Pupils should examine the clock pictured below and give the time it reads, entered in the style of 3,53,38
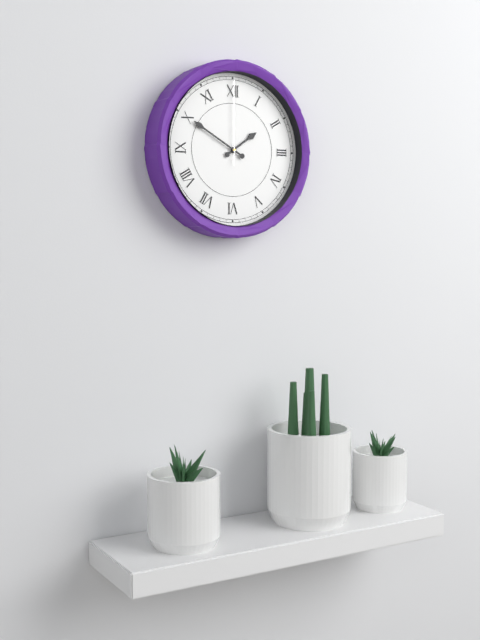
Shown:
1,50,00
